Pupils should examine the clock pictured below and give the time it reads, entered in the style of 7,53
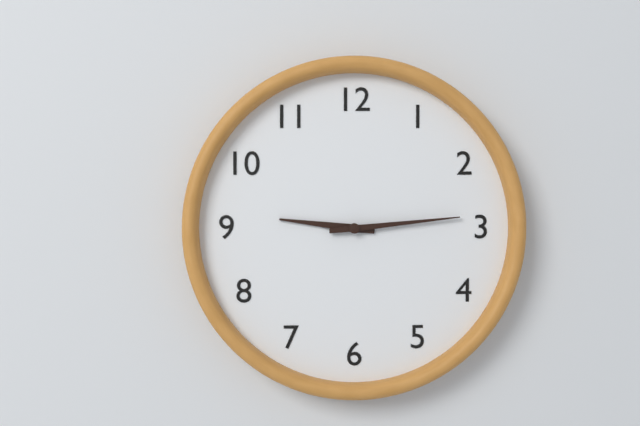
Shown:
9,14
